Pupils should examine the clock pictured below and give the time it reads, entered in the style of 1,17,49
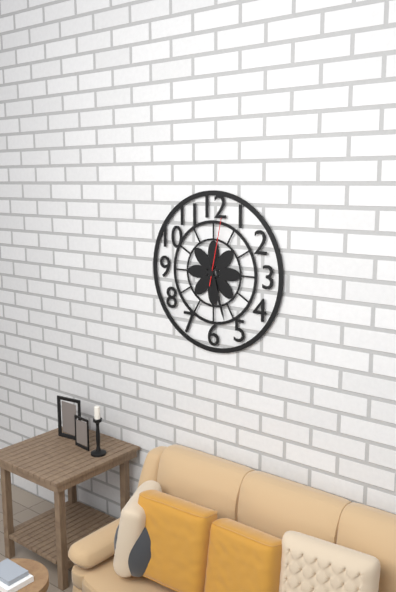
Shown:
5,27,02
